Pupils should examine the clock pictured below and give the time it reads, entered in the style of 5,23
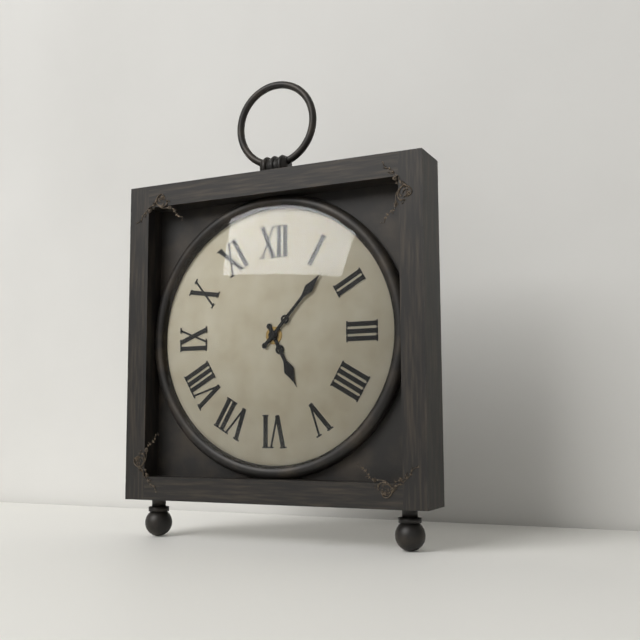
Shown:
5,07
